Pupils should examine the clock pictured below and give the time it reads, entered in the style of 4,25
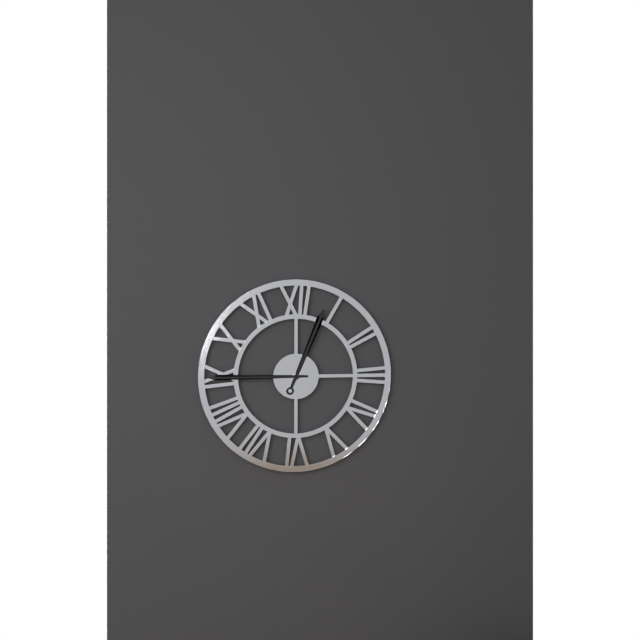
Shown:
12,45
